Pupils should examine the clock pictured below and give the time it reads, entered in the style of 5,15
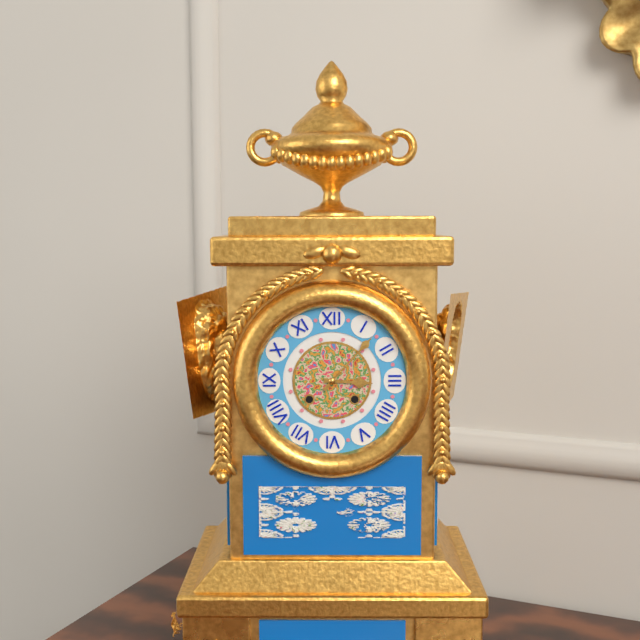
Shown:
3,07
